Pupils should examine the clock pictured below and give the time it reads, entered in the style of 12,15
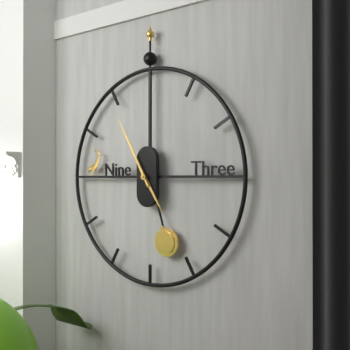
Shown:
4,55
